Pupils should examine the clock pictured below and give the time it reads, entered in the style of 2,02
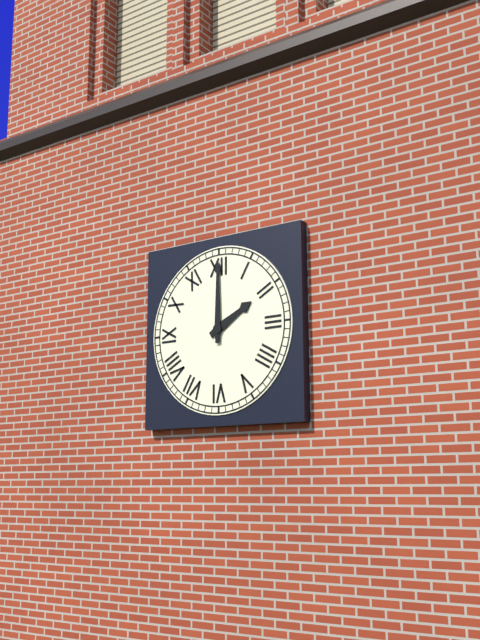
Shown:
2,00
